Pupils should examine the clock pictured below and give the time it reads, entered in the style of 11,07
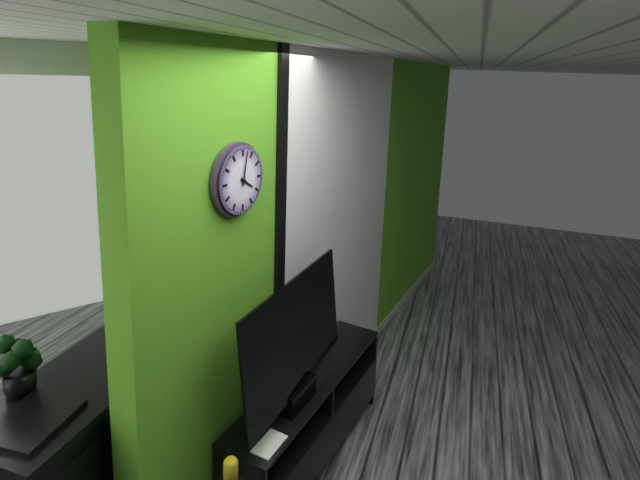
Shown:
4,02
